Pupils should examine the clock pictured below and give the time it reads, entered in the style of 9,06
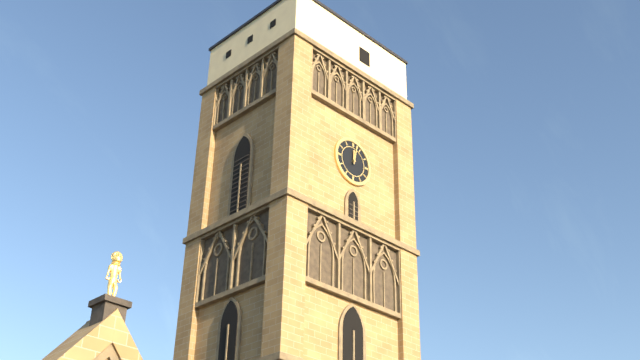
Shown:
12,02
